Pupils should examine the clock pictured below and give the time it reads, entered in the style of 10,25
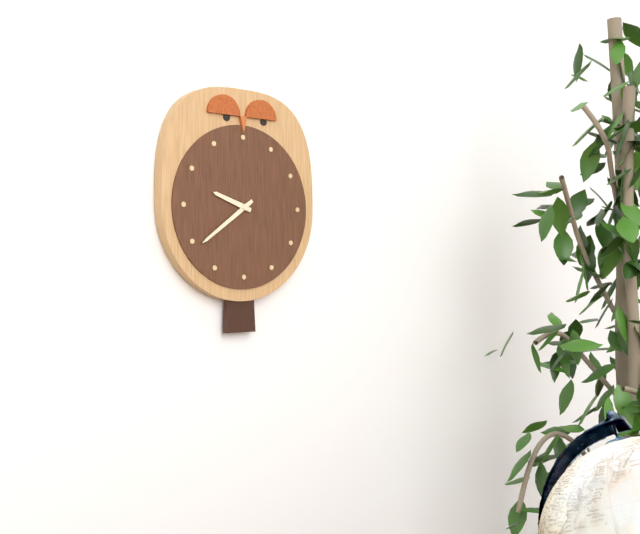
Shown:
9,39
